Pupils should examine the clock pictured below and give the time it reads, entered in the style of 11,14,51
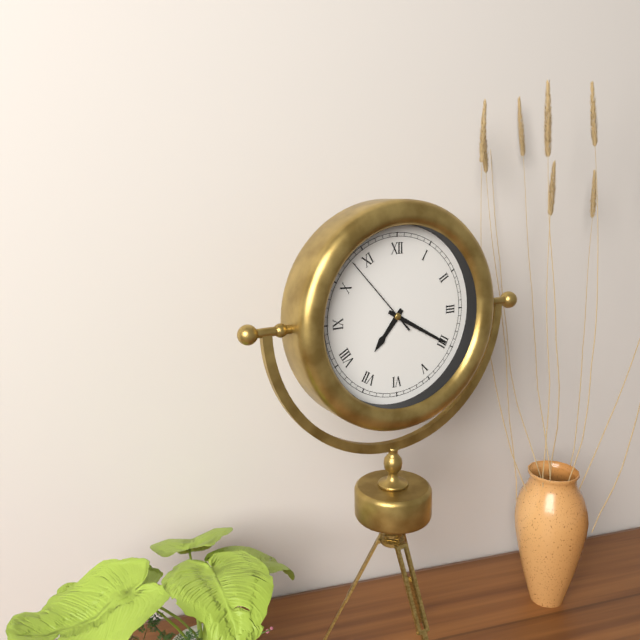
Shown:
7,20,53
